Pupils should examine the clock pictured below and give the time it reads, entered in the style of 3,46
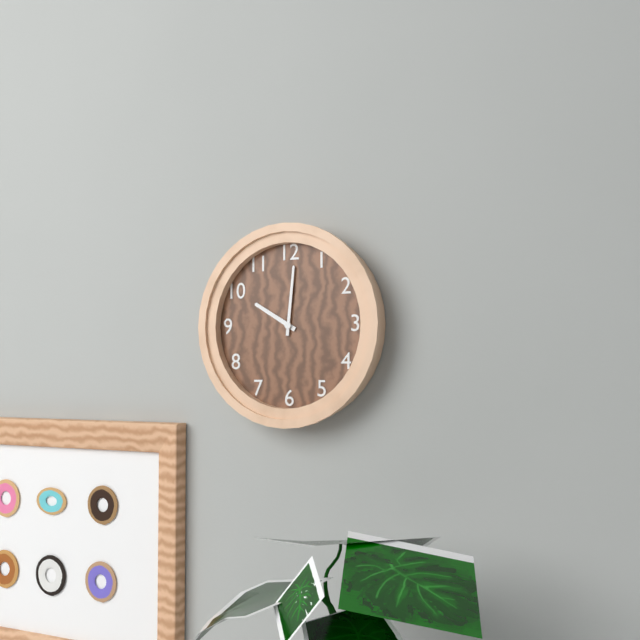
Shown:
10,01
